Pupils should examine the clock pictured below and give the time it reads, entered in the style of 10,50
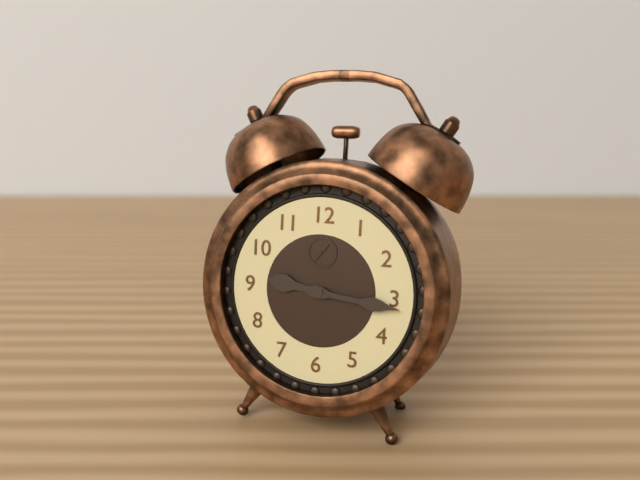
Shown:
9,16
